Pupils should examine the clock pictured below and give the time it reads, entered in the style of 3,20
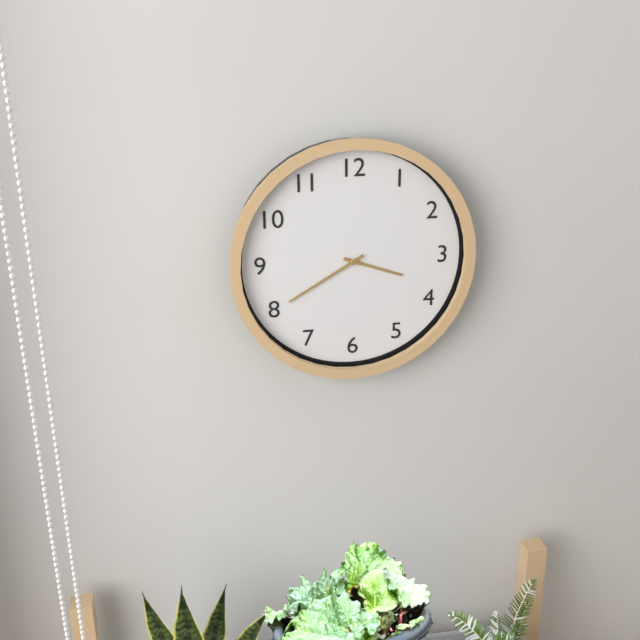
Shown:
3,40
